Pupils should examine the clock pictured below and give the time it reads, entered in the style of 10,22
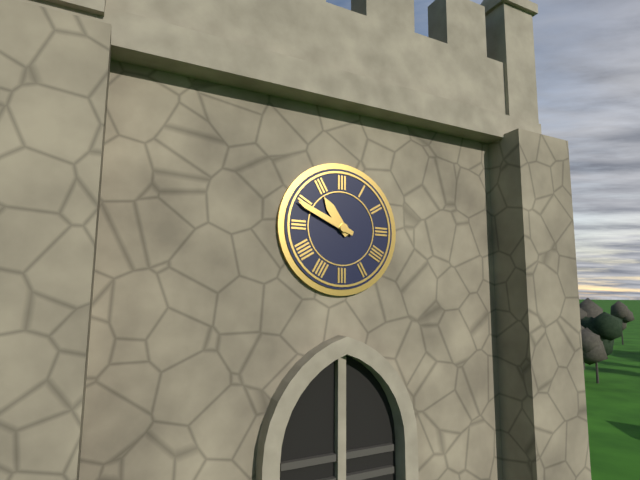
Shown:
10,49
